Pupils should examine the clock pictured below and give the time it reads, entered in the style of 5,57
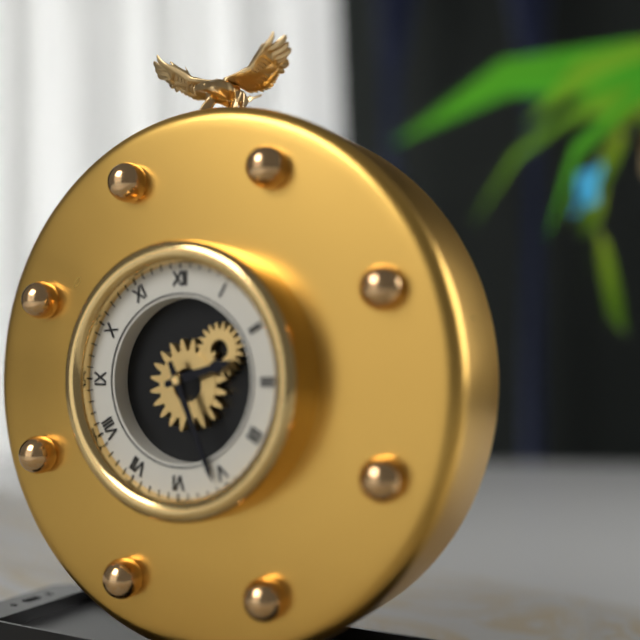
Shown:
2,26
